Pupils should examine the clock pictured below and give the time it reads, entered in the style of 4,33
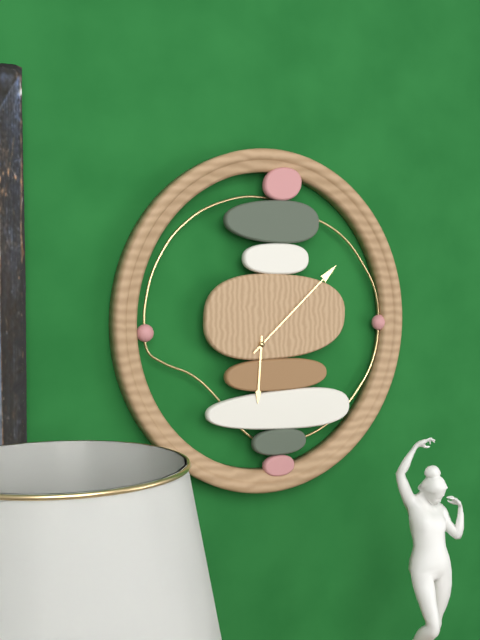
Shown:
6,08
